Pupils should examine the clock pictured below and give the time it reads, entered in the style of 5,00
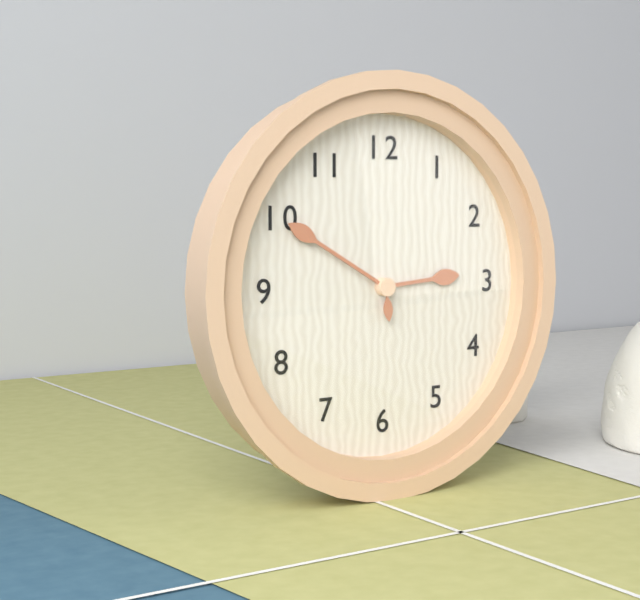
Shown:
2,50
